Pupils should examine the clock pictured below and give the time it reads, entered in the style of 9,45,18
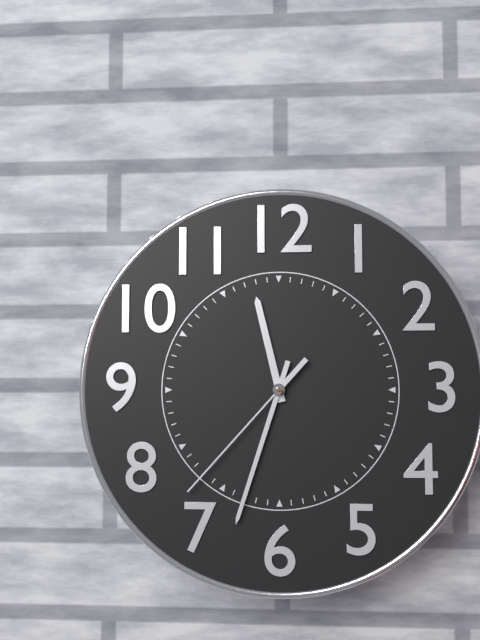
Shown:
11,33,37
